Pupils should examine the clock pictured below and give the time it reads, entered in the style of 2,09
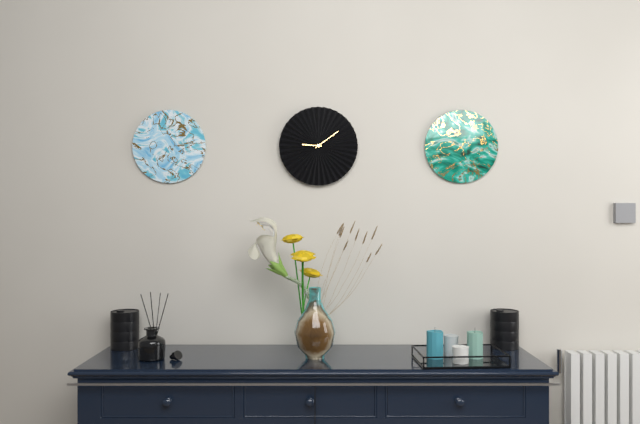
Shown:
9,09
